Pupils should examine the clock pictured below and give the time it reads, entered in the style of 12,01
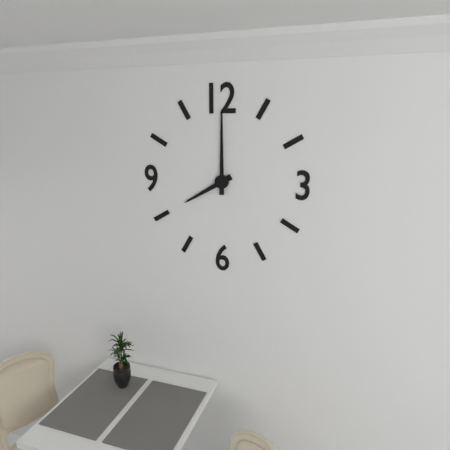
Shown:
8,00
